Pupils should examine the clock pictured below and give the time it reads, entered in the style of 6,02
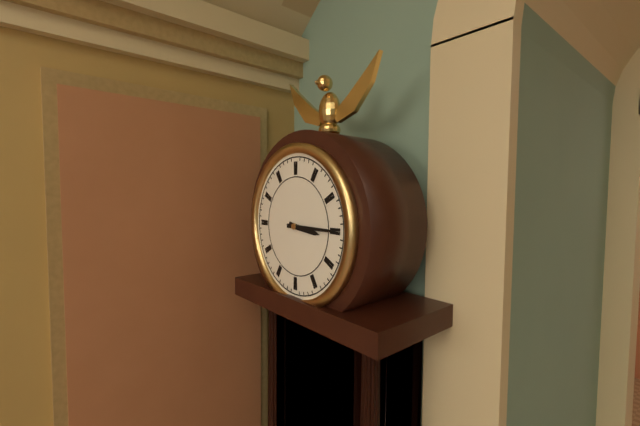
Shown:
3,15
